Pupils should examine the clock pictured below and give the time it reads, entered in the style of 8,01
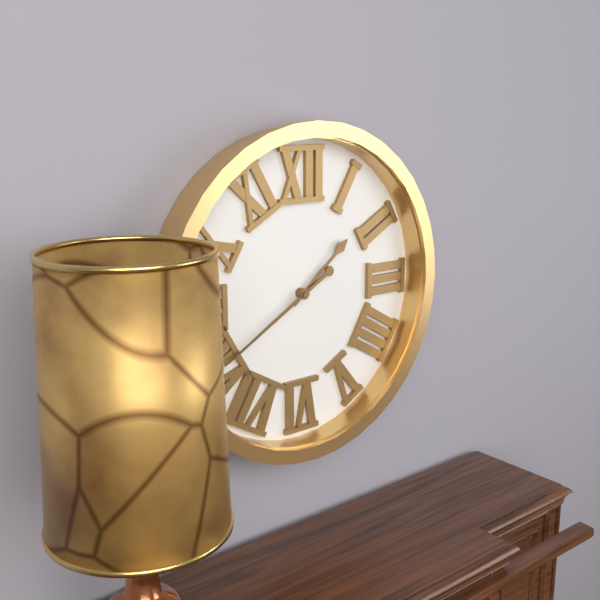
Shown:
1,40
